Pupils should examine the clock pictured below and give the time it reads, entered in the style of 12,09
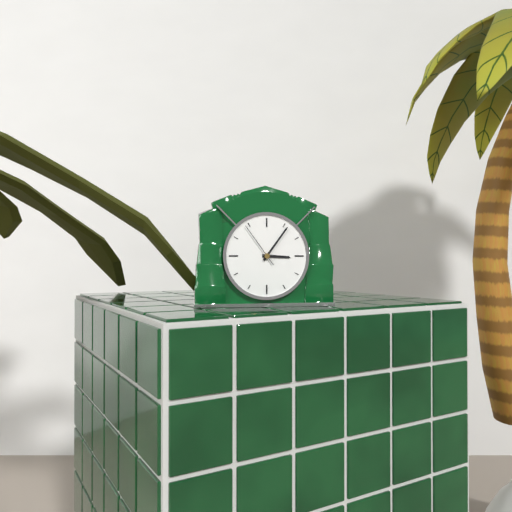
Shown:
3,06
